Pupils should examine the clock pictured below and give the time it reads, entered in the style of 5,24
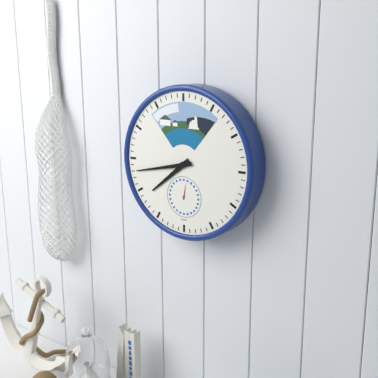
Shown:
7,43
